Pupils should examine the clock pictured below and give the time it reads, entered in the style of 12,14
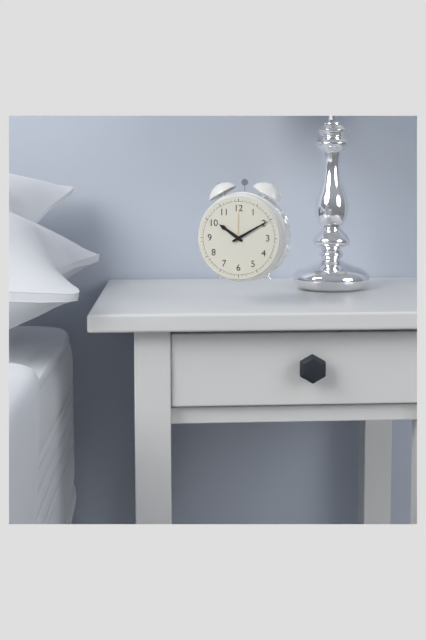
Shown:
10,10
